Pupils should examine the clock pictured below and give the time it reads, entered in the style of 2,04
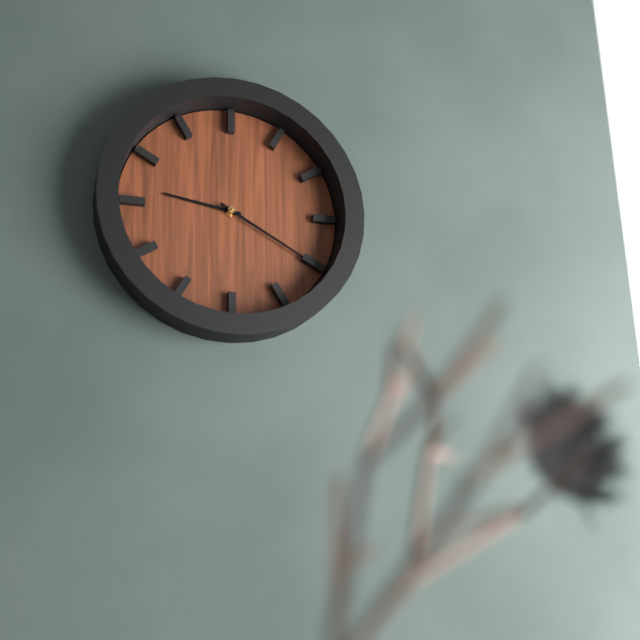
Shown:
9,20
